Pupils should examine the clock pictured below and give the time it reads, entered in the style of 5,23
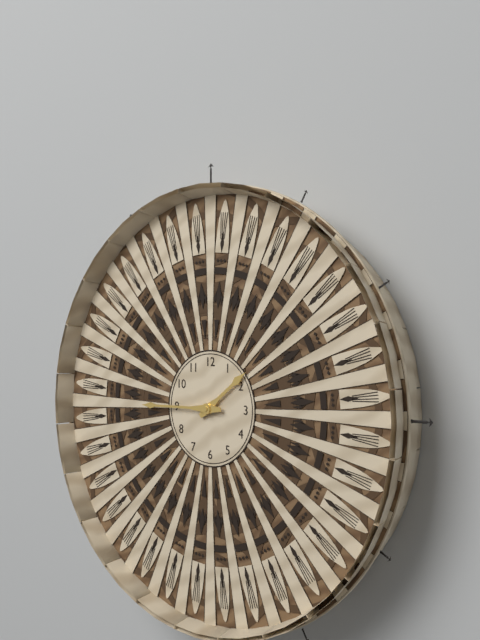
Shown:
1,45
